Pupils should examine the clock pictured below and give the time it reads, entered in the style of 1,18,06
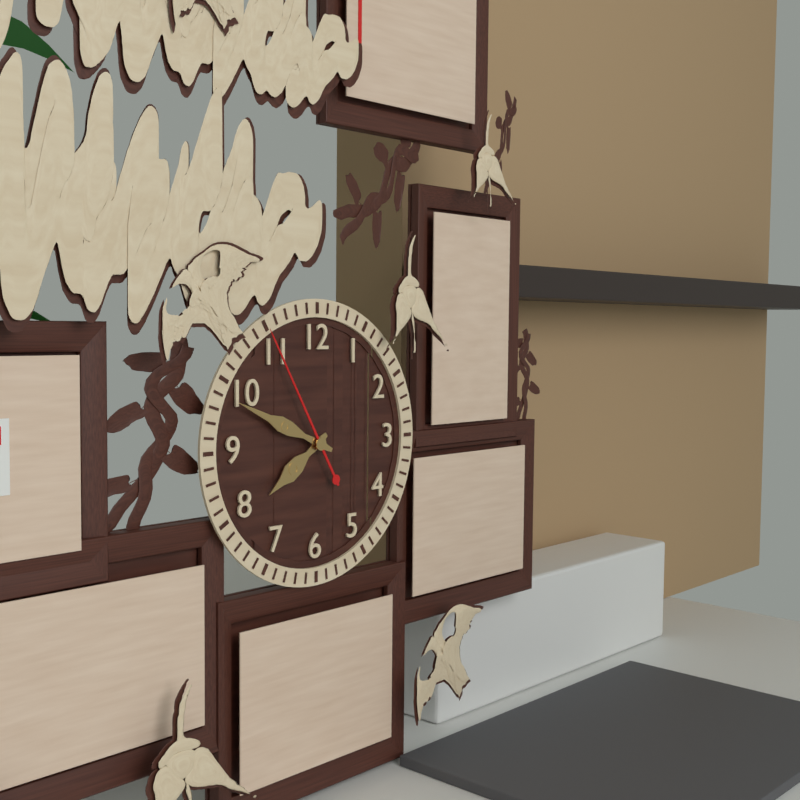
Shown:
7,49,55
